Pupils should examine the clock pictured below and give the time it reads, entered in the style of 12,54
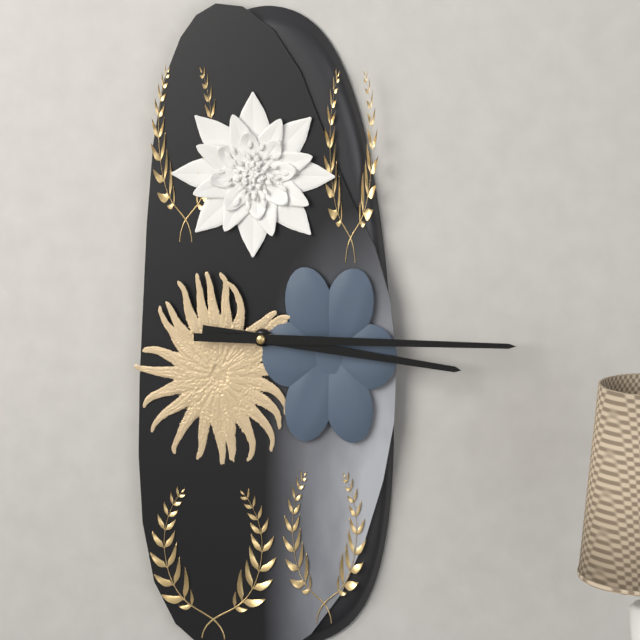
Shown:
3,15
